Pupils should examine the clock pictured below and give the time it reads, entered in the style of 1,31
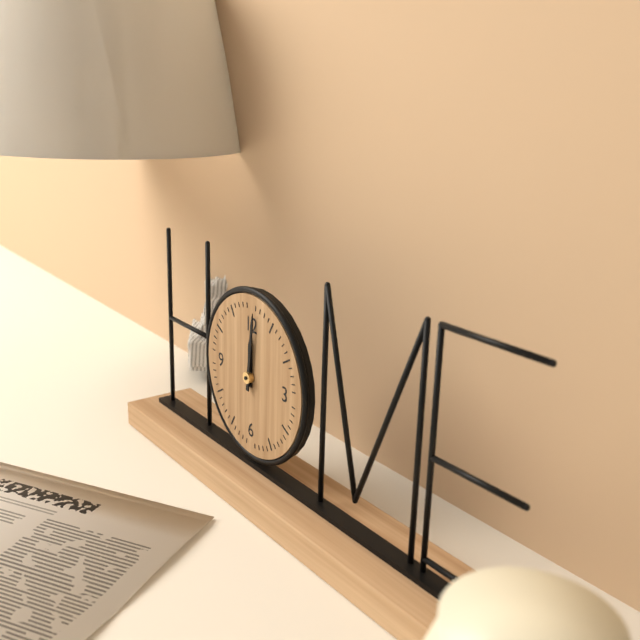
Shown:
12,01
